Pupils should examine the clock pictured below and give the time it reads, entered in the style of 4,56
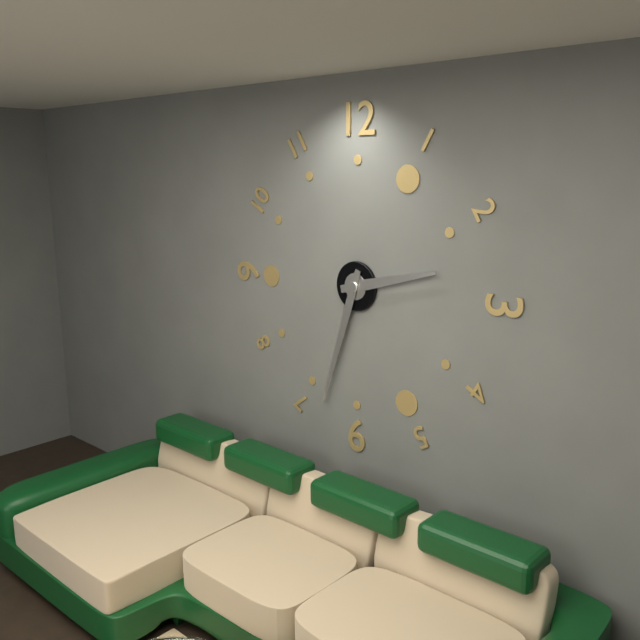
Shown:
2,33
